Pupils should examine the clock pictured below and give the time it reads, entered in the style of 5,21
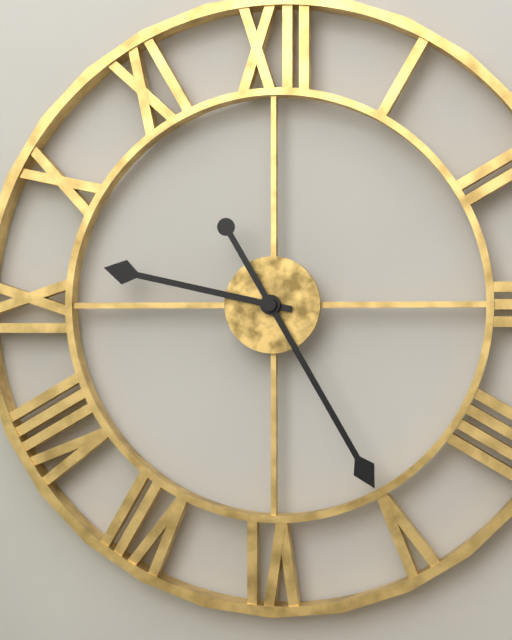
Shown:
9,25
